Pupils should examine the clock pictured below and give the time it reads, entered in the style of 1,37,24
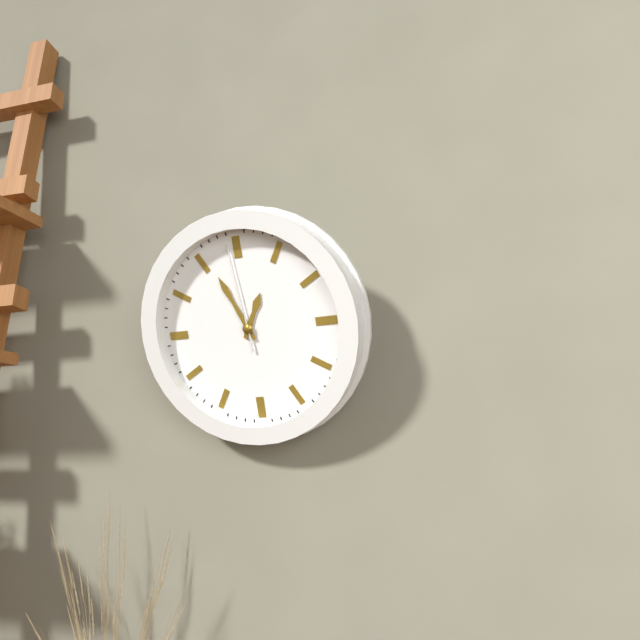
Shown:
12,56,59
